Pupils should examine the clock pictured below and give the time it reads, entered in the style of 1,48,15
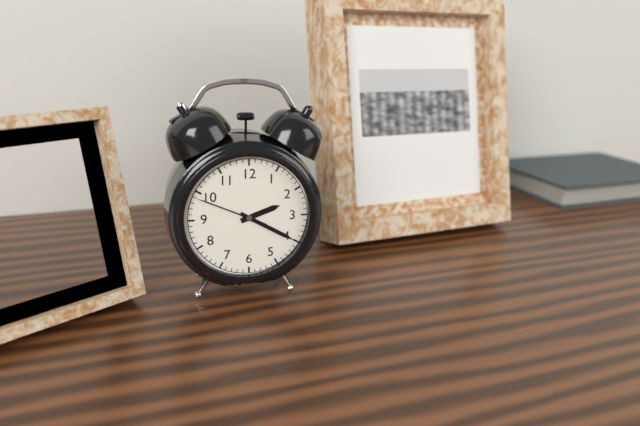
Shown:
2,20,49
